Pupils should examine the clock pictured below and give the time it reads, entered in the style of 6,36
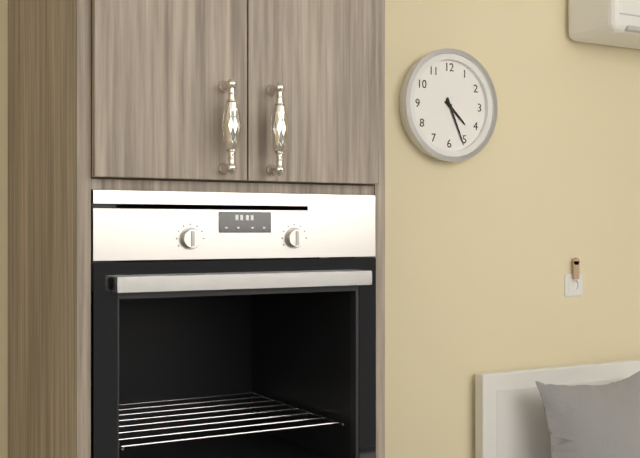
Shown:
4,26
